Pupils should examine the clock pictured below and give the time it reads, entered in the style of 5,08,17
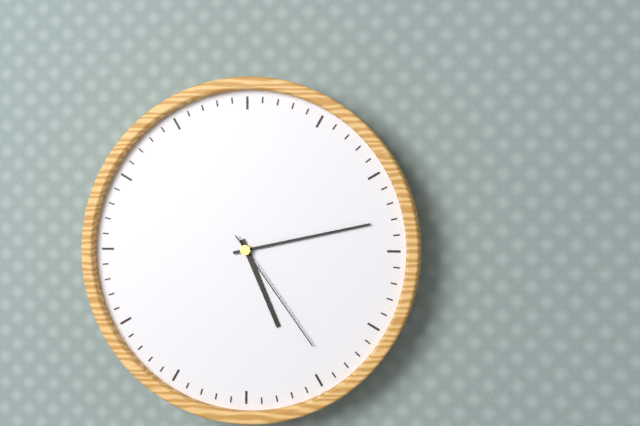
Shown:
5,13,24
